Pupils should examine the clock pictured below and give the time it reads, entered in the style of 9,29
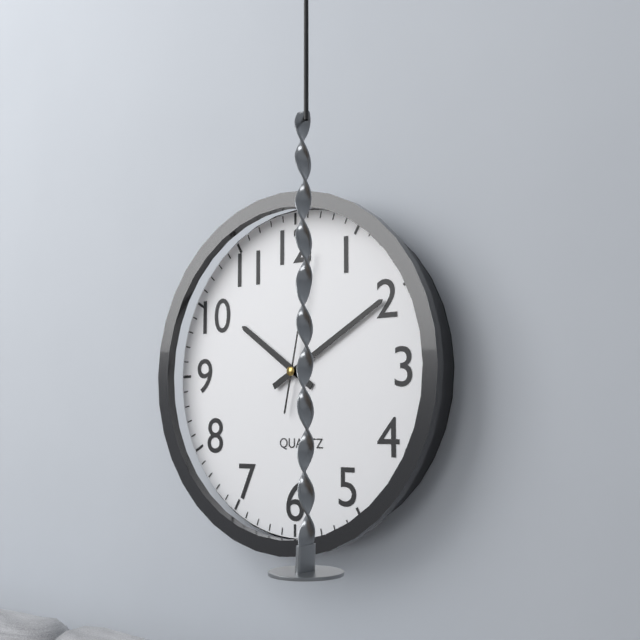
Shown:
10,10
